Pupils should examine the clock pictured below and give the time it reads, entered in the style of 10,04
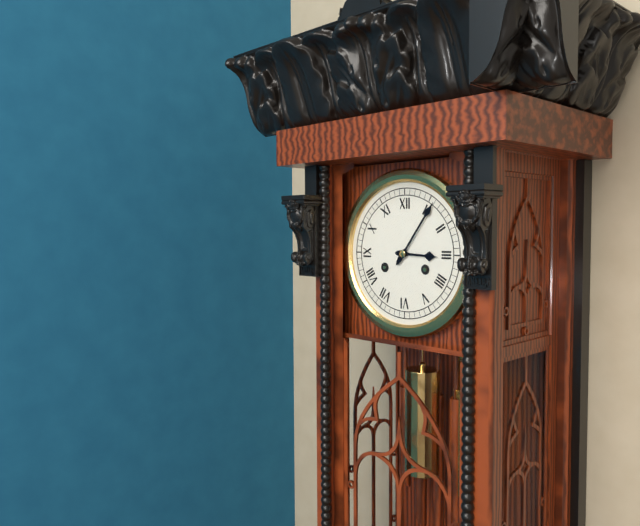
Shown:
3,06
